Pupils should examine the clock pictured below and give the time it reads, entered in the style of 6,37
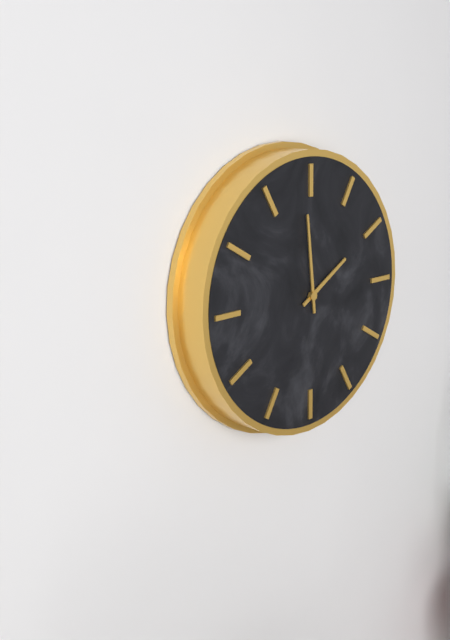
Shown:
1,59
